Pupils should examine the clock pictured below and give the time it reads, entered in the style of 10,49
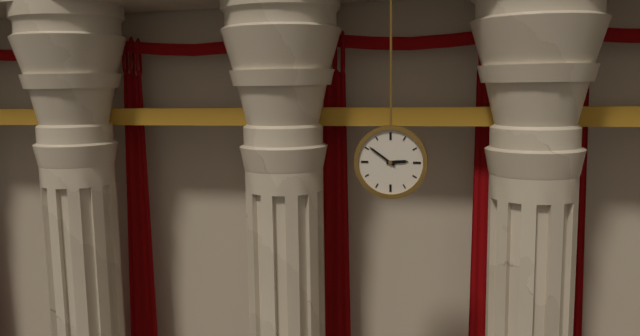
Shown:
2,51
